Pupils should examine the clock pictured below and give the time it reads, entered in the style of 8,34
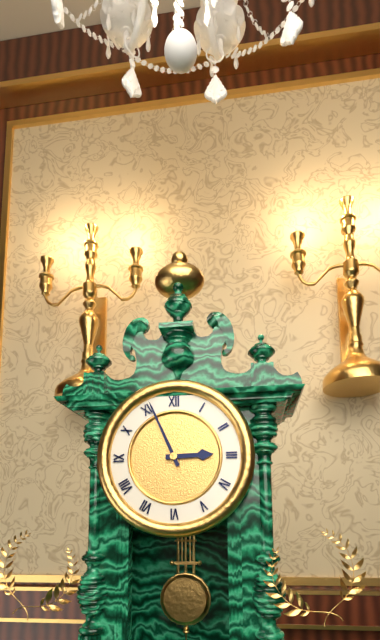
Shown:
2,56
